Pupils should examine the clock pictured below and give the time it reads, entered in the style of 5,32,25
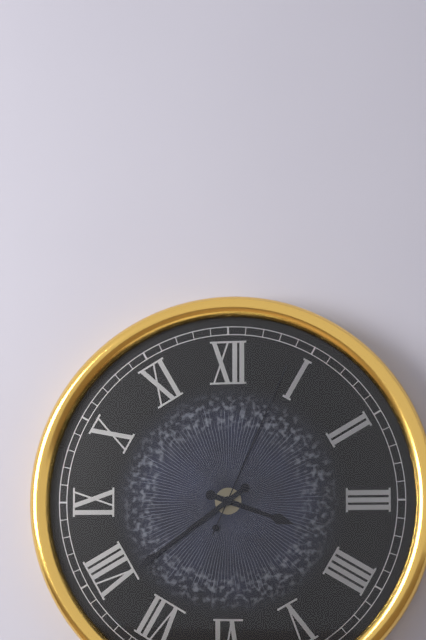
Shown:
3,39,04
